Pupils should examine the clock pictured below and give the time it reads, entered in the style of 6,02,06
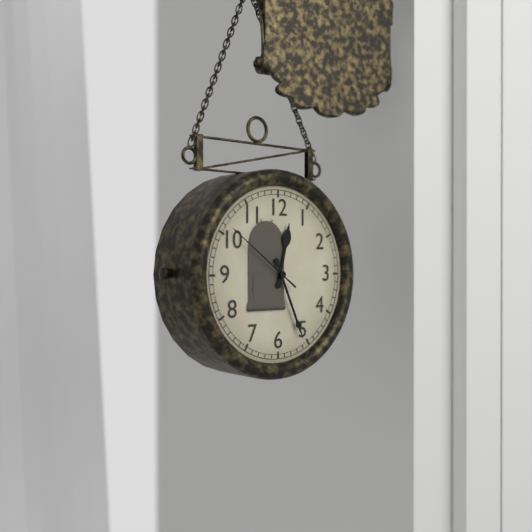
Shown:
12,26,51
